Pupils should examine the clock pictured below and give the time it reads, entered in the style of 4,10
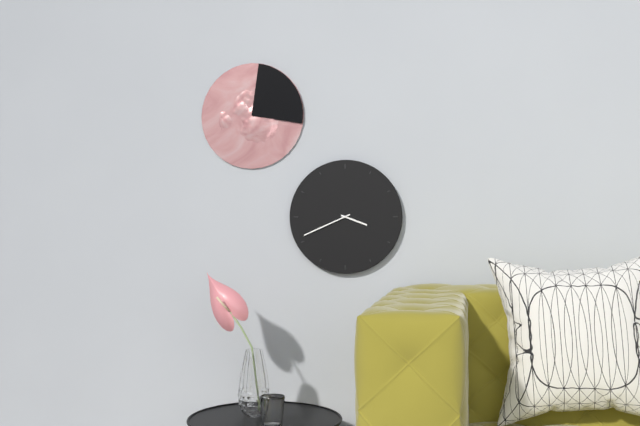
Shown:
3,41
